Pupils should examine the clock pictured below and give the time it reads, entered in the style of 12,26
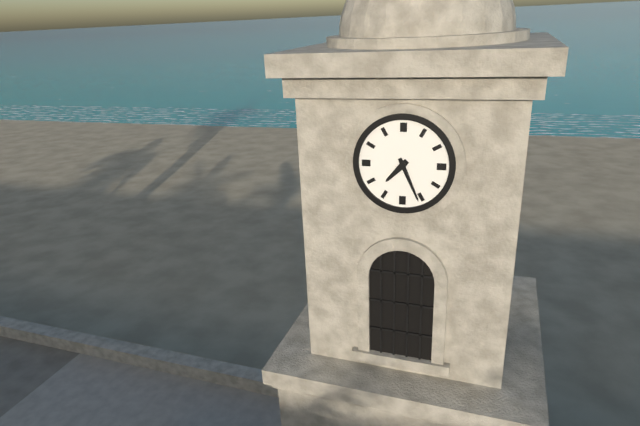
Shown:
7,26
